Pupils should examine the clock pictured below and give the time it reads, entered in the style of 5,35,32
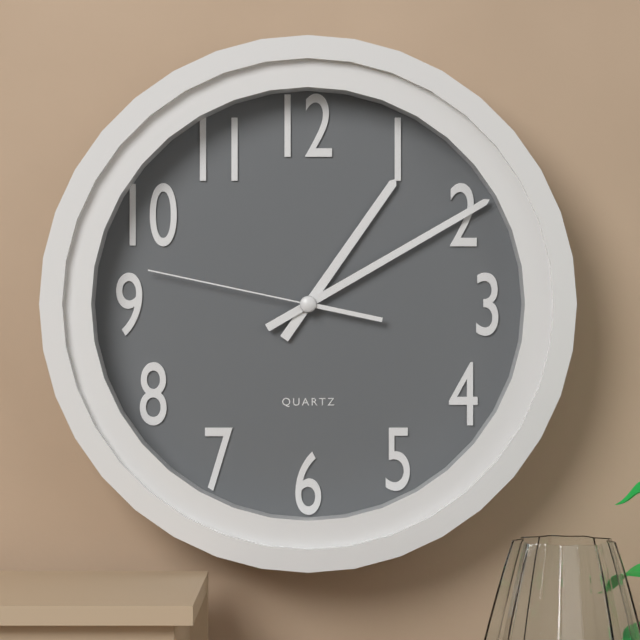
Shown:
1,10,47
